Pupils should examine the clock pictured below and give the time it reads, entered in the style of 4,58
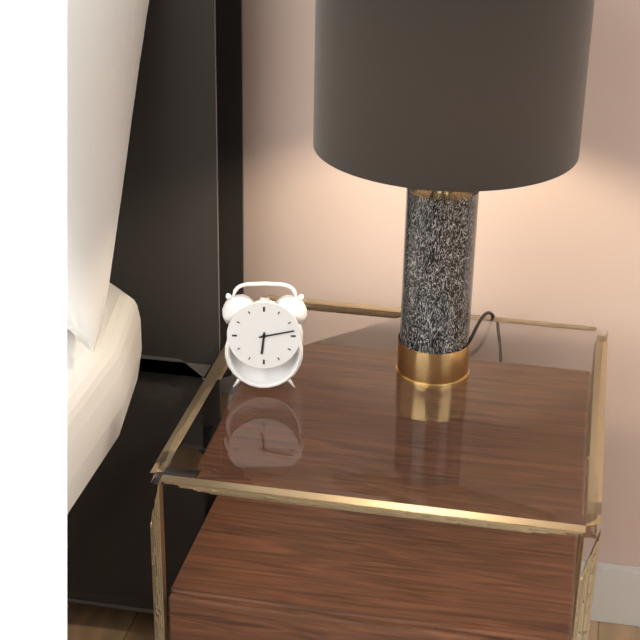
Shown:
6,13
